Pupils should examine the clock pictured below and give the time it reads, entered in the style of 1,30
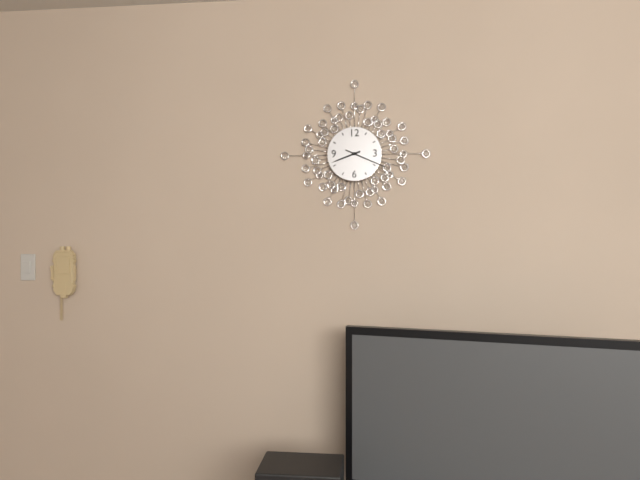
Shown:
8,19
